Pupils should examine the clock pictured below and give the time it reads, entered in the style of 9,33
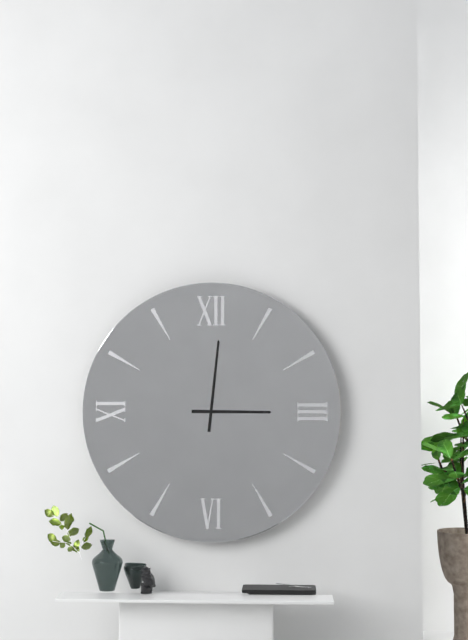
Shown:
3,01
